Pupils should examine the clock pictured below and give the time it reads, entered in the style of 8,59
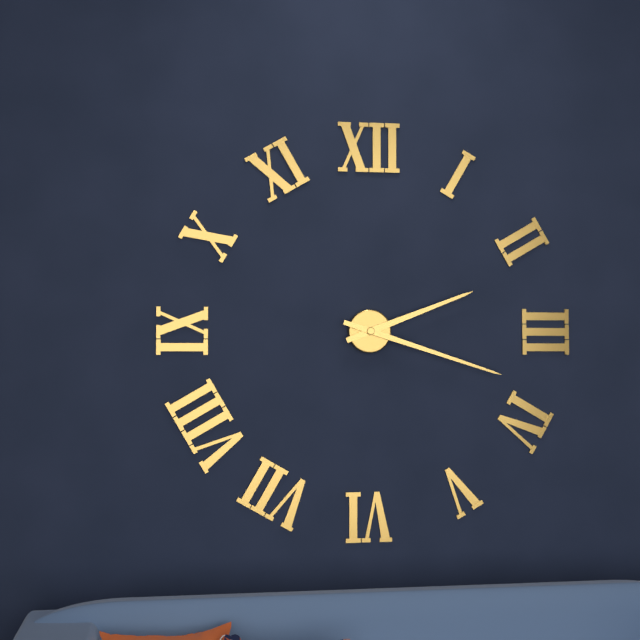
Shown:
2,18
